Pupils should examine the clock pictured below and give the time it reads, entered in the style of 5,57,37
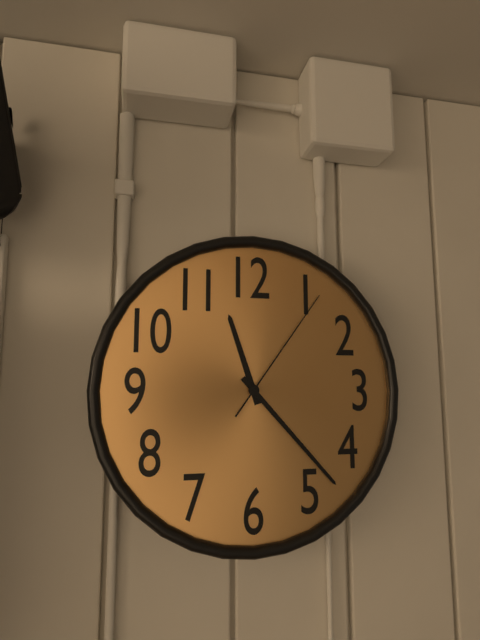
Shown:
11,23,06
